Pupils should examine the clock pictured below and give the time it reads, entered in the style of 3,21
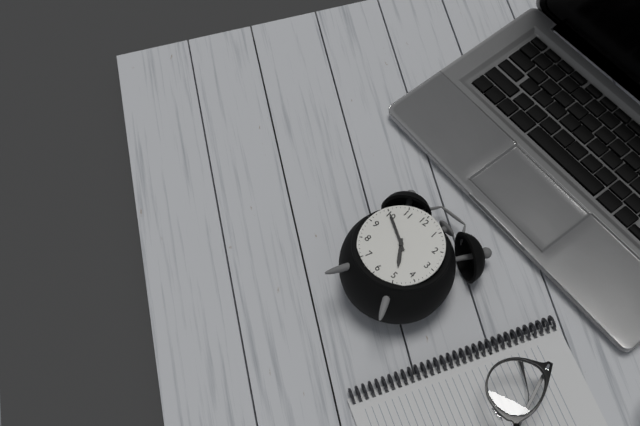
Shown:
4,50
